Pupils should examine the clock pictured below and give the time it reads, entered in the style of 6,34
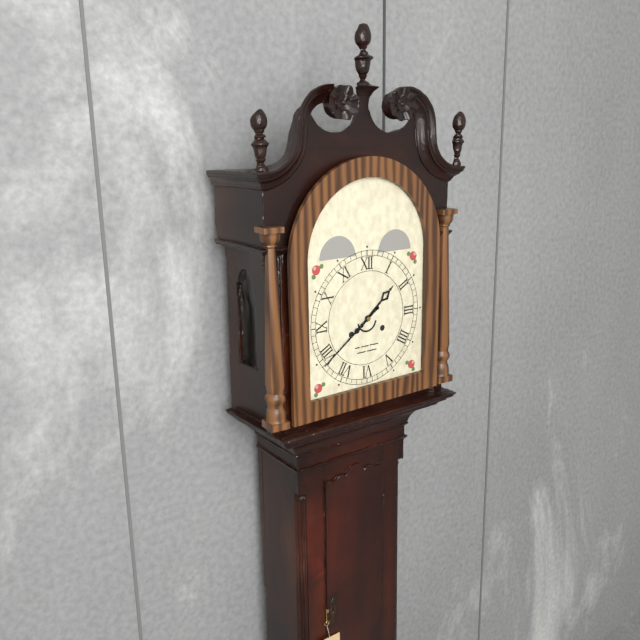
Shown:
1,39
